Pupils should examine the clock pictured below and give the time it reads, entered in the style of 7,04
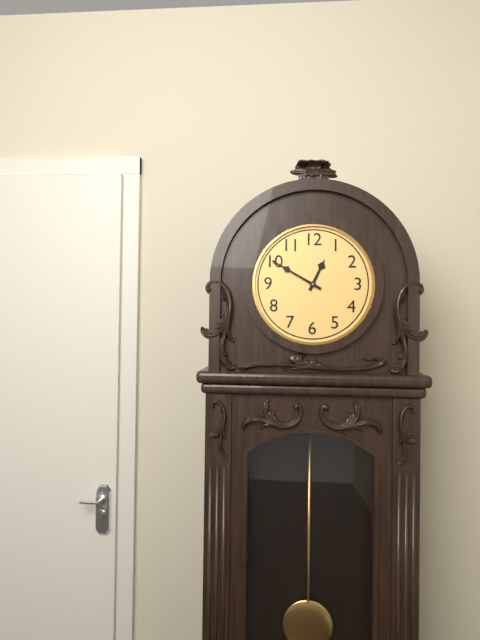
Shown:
12,50
